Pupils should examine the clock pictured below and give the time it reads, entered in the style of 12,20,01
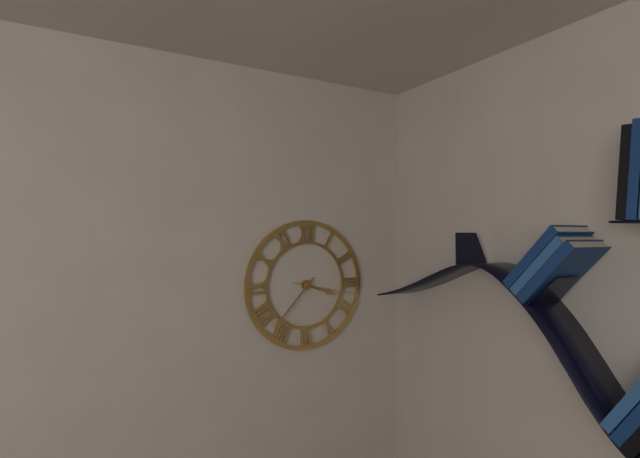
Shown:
3,37,17
